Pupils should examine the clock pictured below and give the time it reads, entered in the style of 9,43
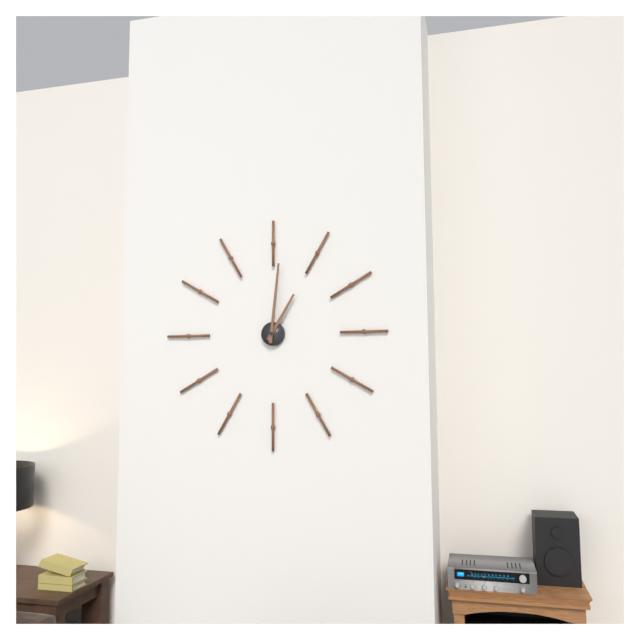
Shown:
1,01
